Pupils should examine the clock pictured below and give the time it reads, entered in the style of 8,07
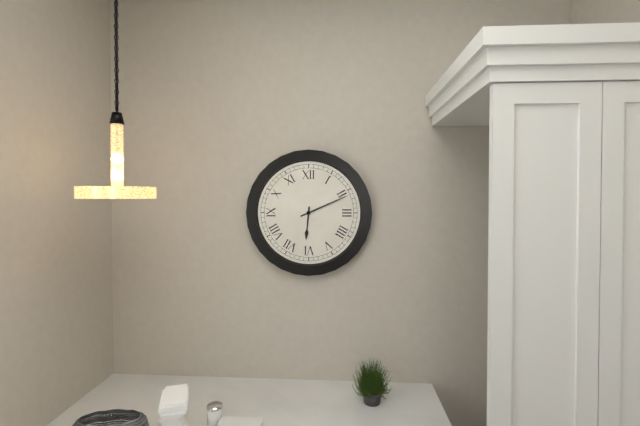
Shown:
6,11
